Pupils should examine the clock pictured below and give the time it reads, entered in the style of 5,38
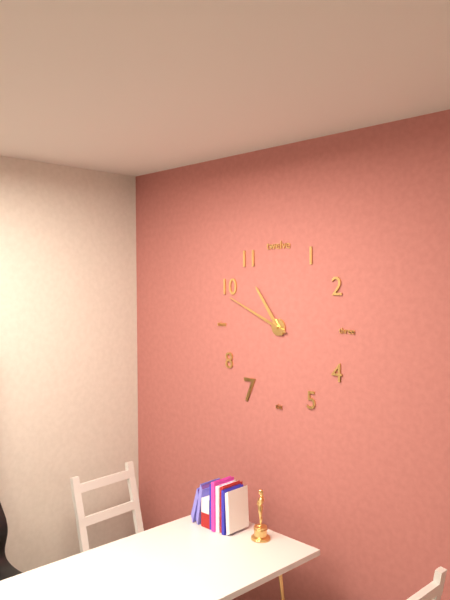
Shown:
10,49
